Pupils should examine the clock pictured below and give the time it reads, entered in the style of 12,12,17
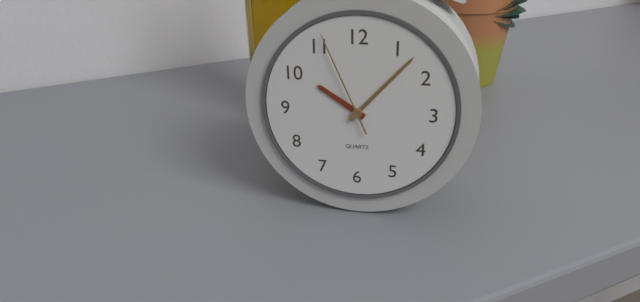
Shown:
10,07,56
